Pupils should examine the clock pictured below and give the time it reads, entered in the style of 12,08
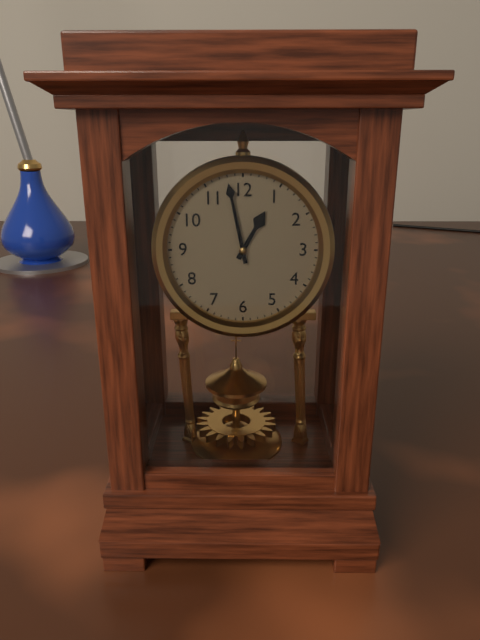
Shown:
12,58
